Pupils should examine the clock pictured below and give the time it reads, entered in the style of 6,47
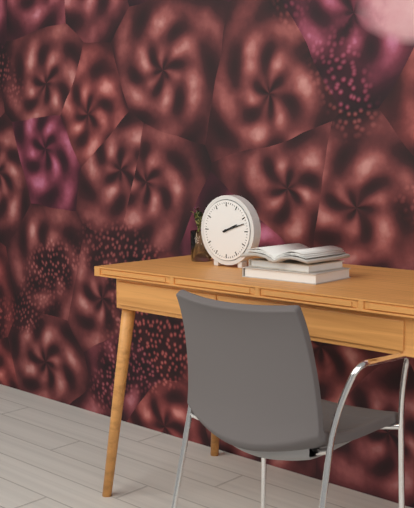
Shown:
2,12
